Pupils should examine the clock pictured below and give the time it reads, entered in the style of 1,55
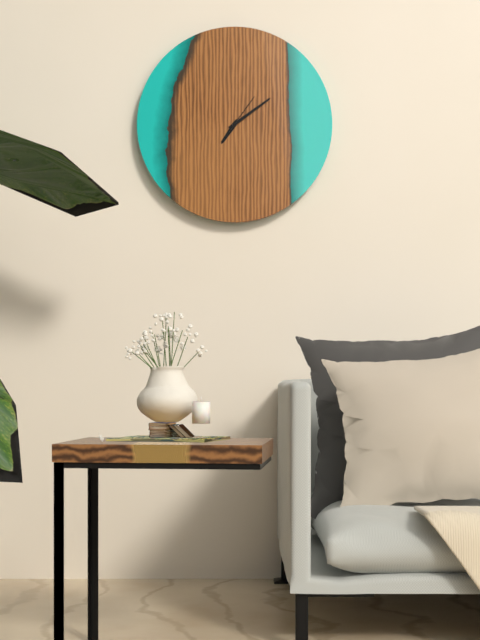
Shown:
7,09
